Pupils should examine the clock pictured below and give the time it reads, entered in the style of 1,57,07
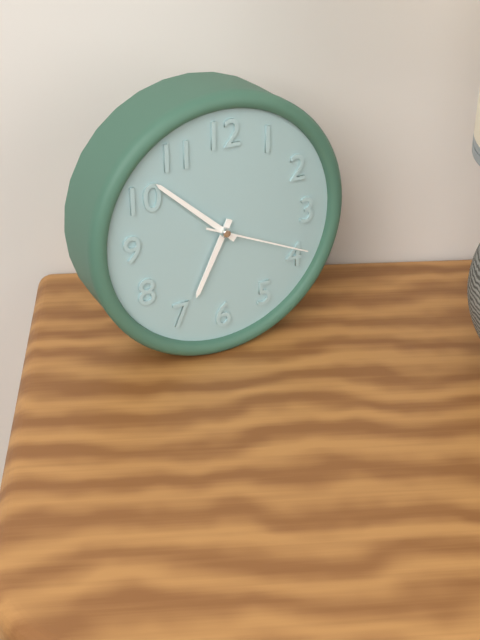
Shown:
6,52,19
